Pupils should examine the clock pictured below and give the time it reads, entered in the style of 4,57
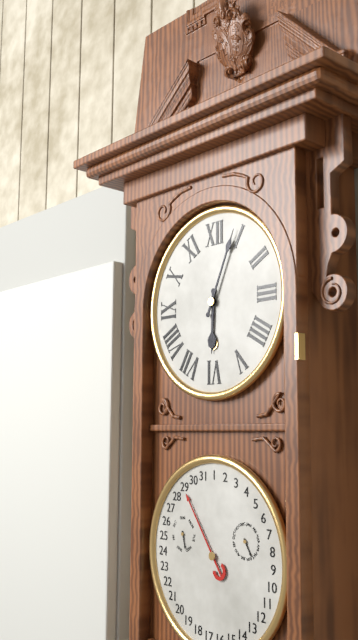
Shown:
6,04
